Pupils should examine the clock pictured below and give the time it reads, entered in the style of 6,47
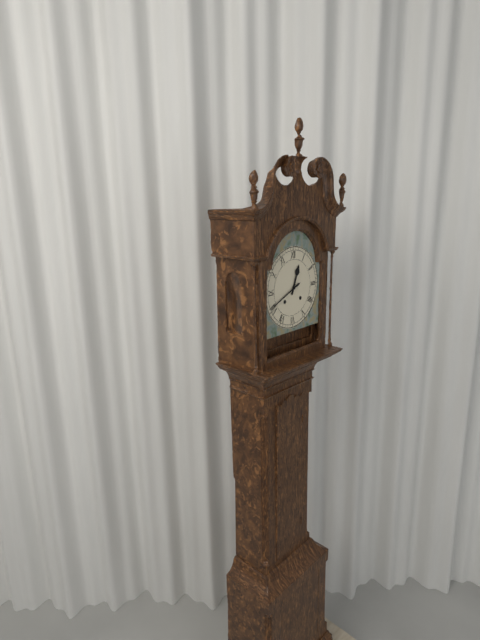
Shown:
12,41
